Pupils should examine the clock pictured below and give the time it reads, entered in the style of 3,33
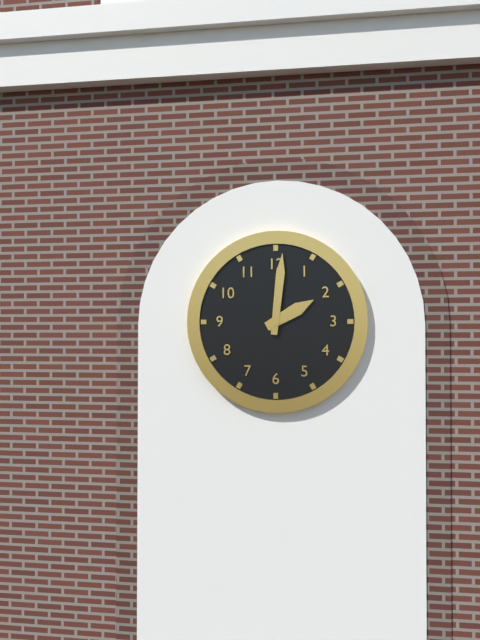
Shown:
2,01
